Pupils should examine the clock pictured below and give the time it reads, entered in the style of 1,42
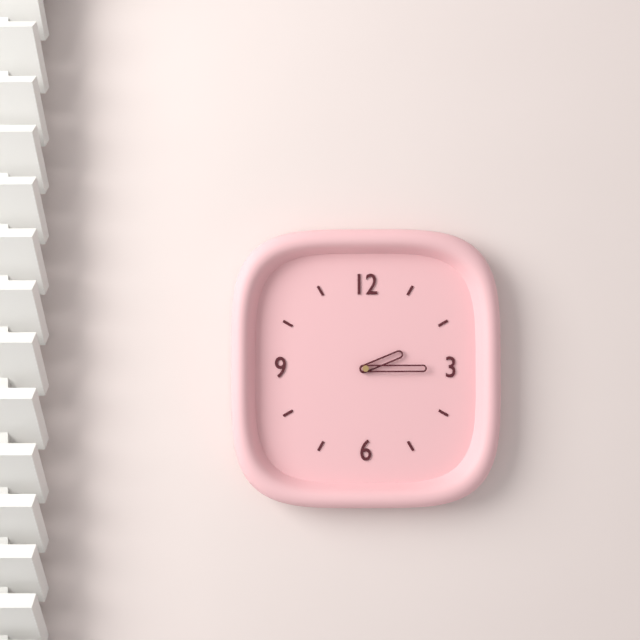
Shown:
2,15
